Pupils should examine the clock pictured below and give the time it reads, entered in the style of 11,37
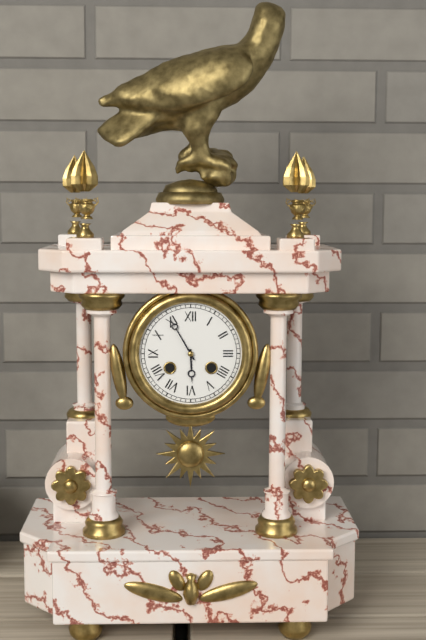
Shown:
5,55
